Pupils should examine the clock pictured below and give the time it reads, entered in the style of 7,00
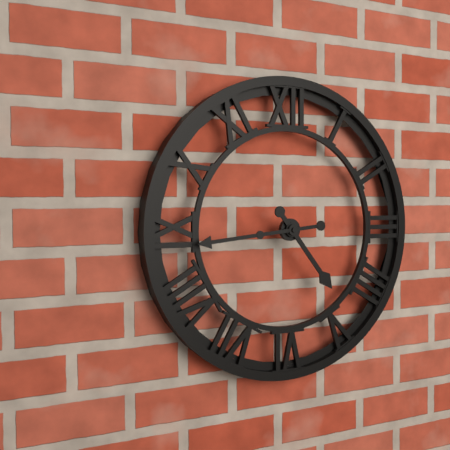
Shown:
4,44
